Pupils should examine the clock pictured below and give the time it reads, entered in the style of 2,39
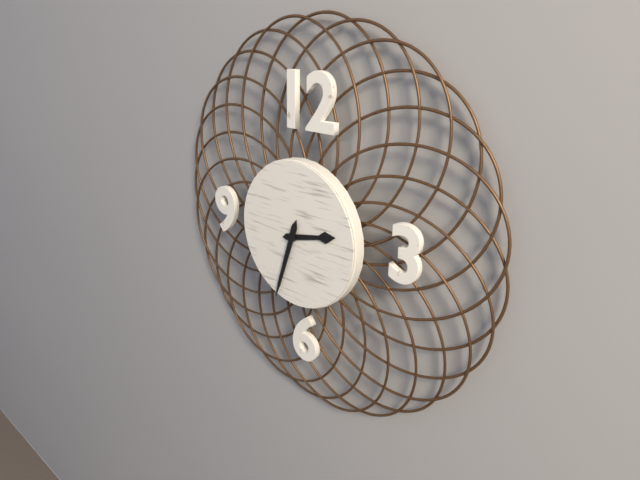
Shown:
2,33
